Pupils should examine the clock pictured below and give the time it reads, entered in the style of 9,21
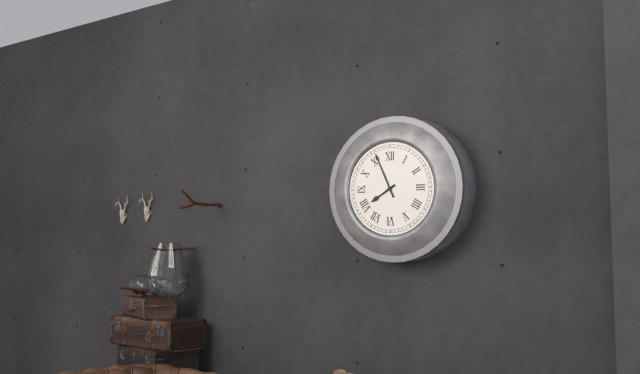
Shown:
7,56
